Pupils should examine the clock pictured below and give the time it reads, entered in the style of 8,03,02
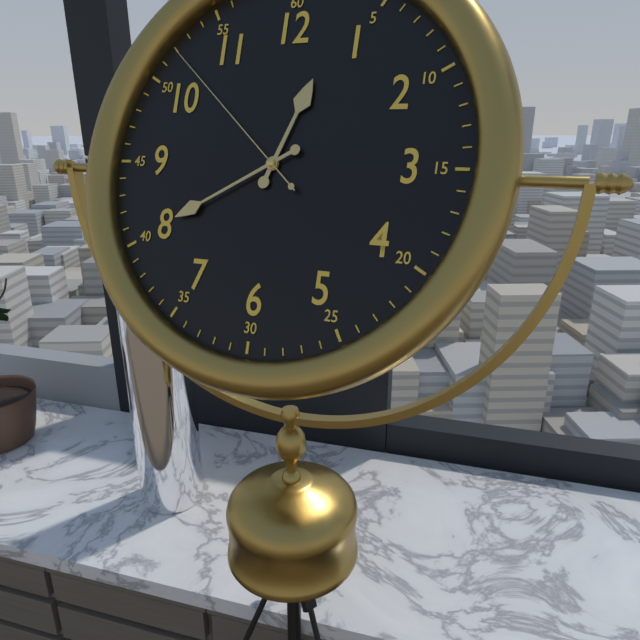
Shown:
12,40,52
